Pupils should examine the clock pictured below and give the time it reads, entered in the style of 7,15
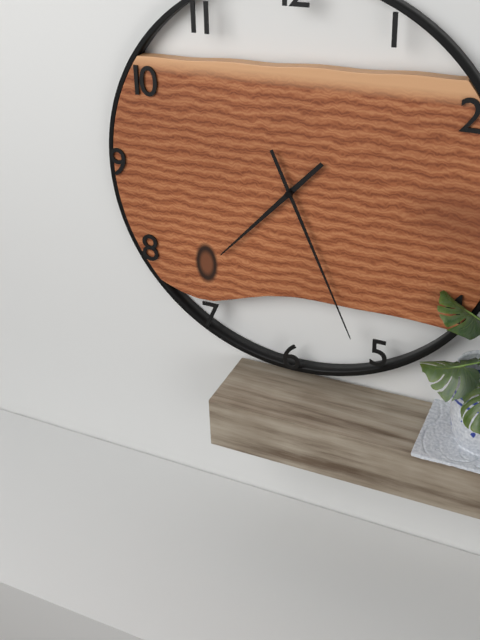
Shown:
7,26
